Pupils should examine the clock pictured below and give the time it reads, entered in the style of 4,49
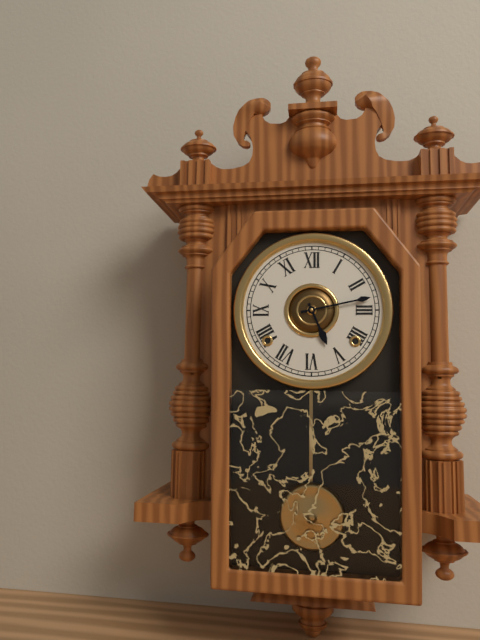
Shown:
5,13
